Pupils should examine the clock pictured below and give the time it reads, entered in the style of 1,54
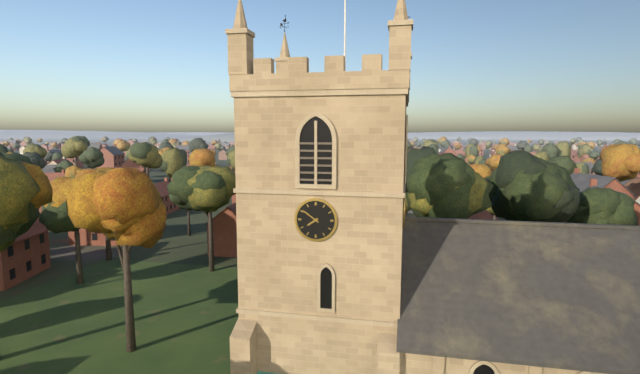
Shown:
7,51
